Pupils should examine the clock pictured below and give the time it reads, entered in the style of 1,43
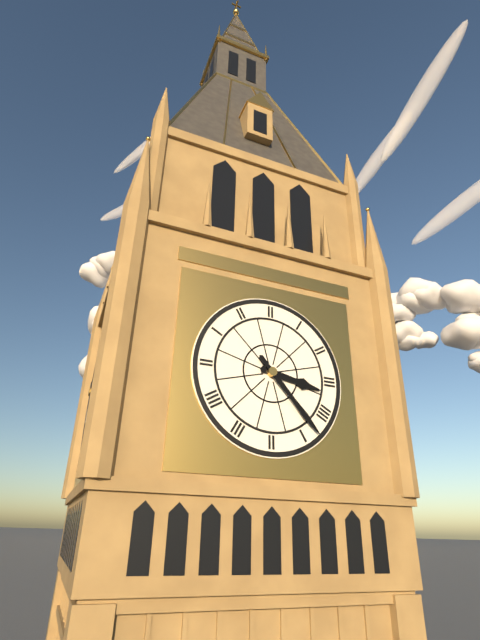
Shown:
3,23
